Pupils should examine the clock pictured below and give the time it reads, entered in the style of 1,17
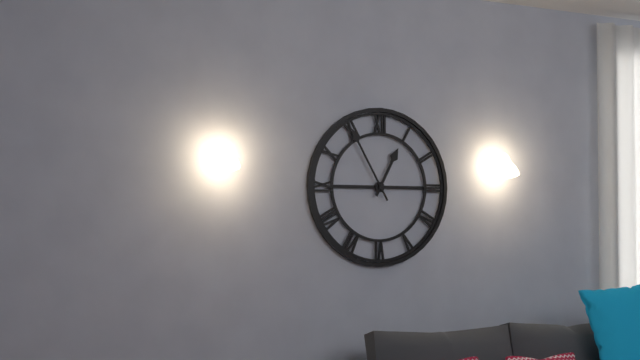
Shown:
12,55
